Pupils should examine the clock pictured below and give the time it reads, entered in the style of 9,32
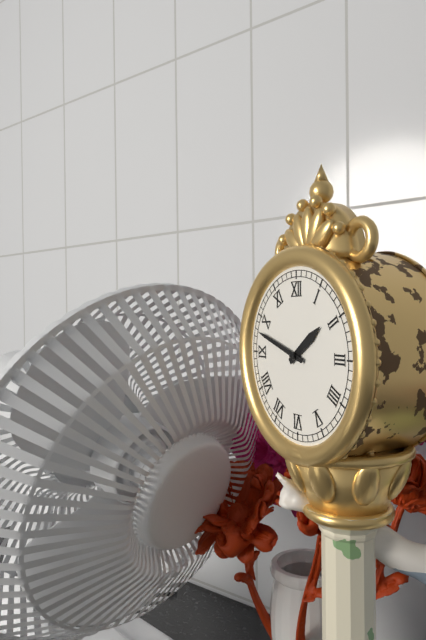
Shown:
1,48
